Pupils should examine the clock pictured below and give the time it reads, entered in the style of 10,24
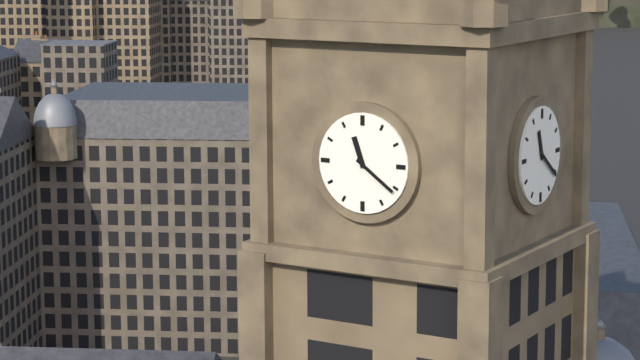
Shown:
11,21
